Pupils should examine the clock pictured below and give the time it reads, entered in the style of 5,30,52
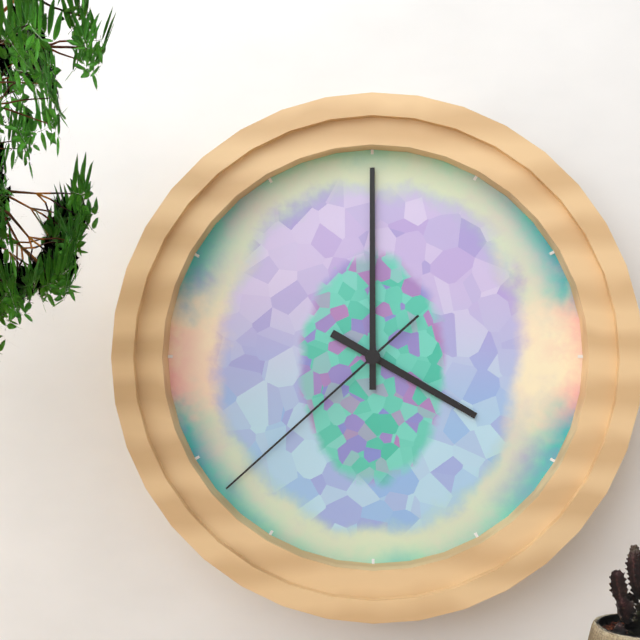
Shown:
4,00,38
